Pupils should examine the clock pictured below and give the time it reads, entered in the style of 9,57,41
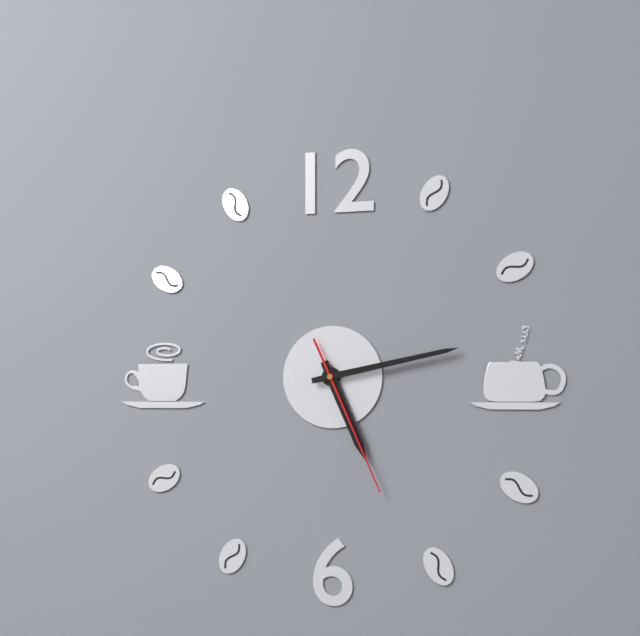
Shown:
5,13,26
